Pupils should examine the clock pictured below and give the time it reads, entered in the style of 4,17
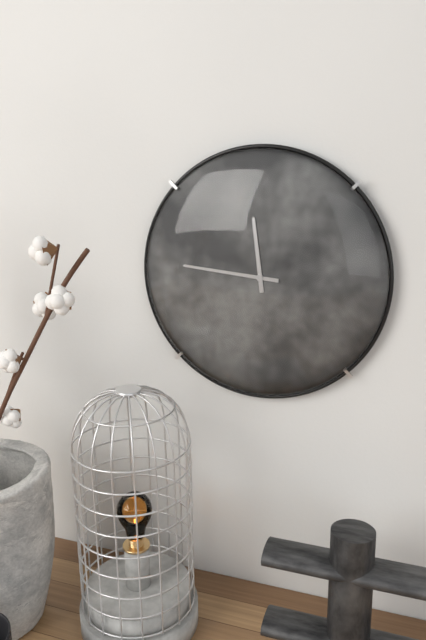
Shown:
11,46
